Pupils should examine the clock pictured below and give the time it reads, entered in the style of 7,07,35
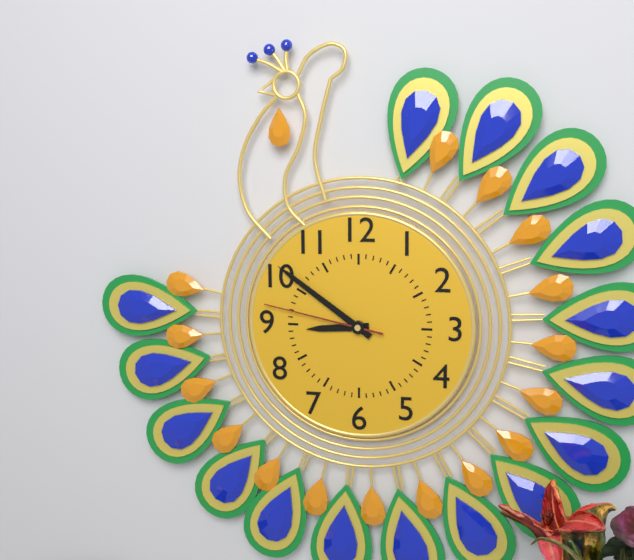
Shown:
8,51,47
